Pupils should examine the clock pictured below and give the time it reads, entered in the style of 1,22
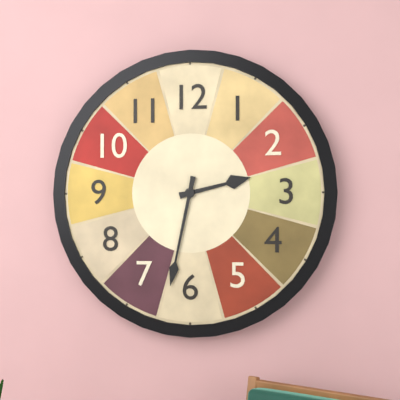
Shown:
2,32
